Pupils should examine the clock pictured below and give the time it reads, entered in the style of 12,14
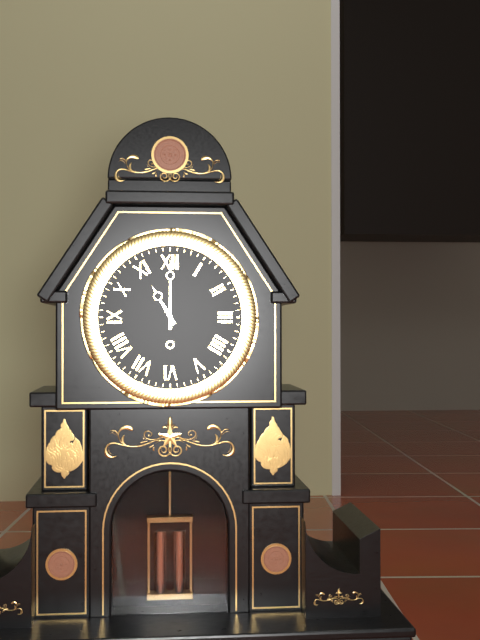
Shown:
11,00
